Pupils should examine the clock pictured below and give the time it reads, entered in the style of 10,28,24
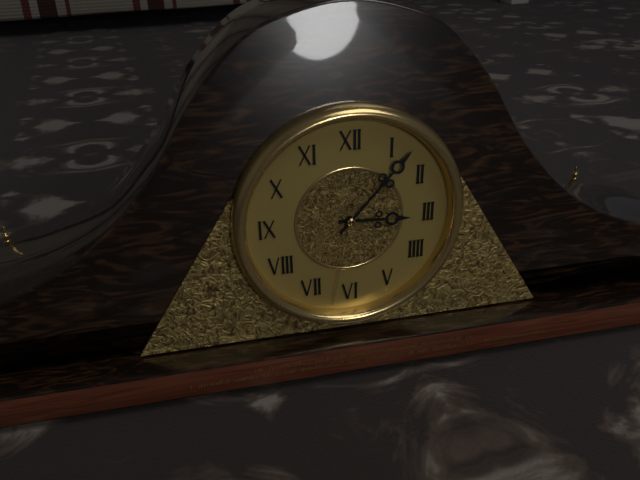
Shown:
3,07,32
